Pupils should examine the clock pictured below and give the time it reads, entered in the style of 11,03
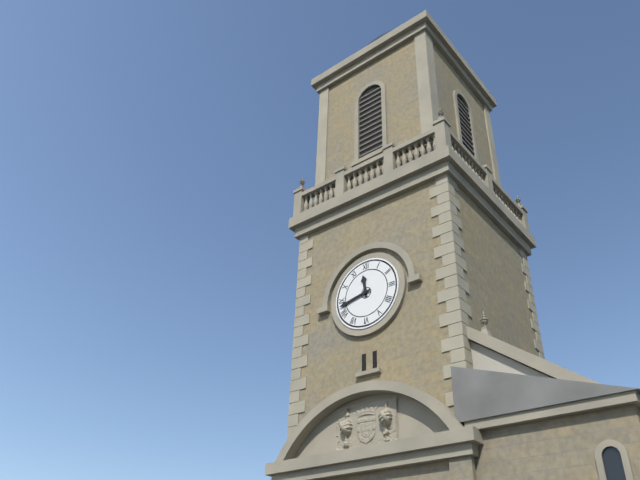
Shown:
11,43
